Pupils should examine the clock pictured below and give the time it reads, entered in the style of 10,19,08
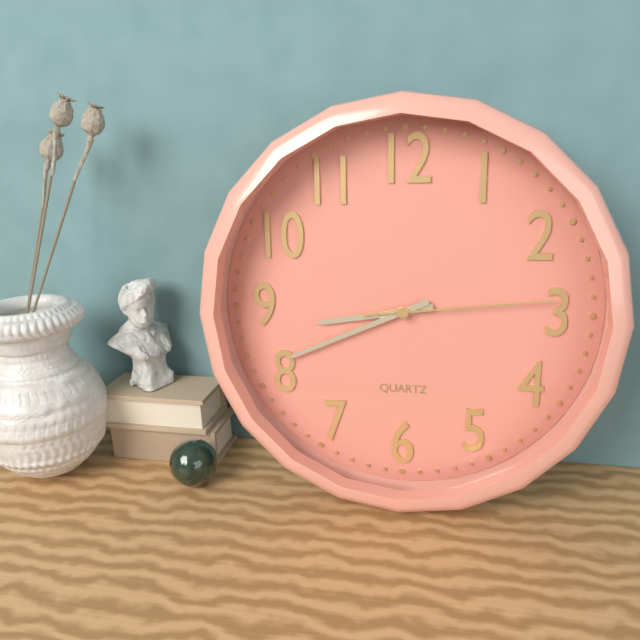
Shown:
8,41,14
